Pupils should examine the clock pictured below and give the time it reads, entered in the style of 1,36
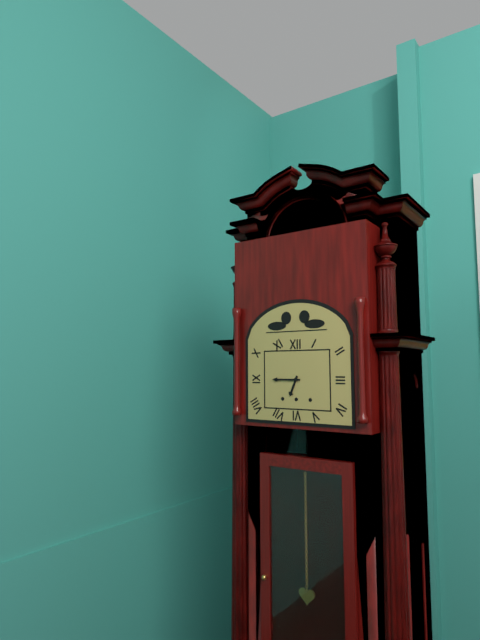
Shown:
6,45
